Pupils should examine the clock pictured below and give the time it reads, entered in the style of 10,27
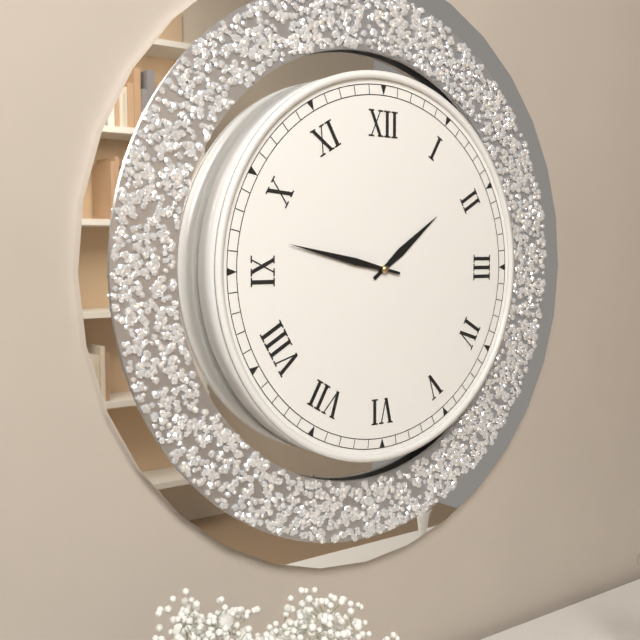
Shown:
1,47
